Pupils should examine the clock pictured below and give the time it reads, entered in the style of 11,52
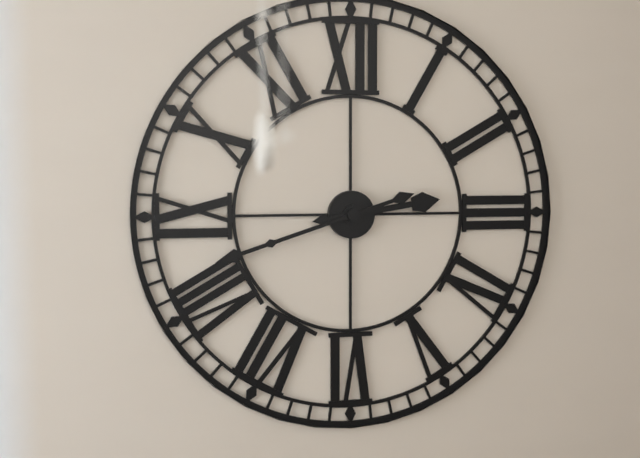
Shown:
2,42
